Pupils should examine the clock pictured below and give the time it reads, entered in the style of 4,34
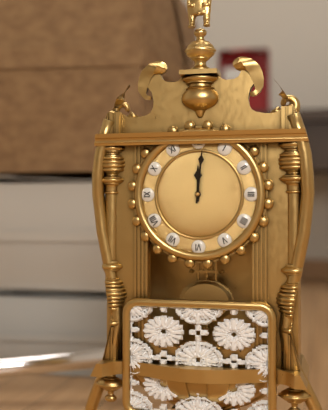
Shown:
12,01
